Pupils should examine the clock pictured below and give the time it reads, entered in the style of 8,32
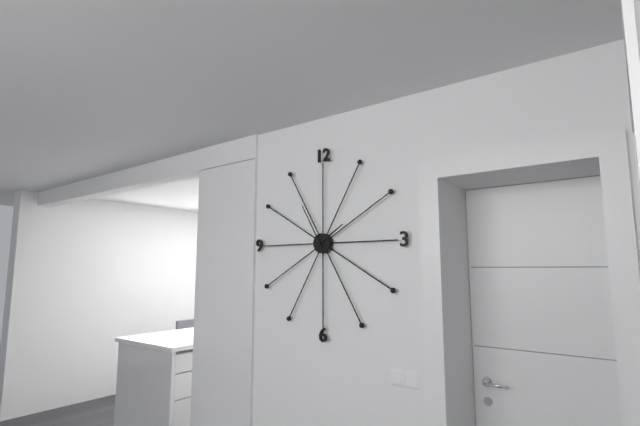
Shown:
1,55
